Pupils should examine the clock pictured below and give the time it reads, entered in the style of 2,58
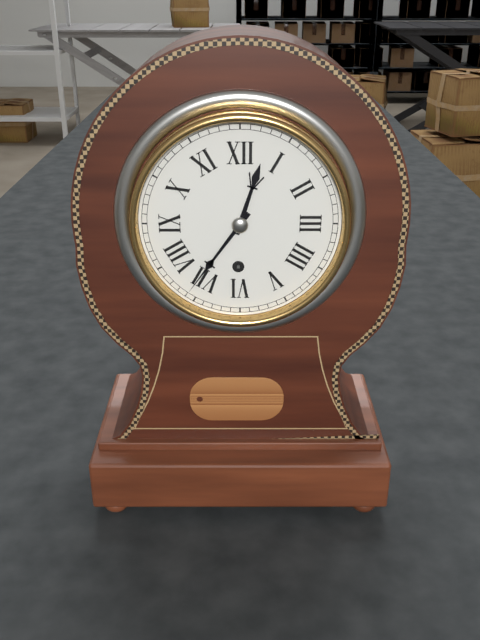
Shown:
12,36
